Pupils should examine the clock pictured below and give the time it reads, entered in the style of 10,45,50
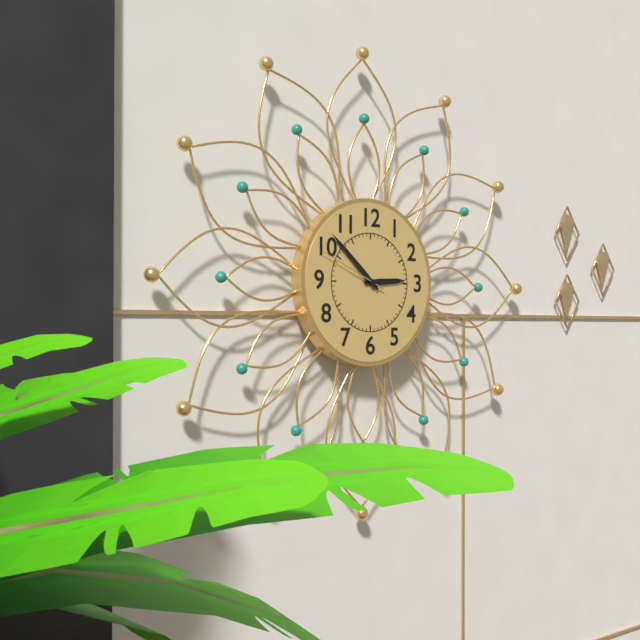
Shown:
2,52,49
